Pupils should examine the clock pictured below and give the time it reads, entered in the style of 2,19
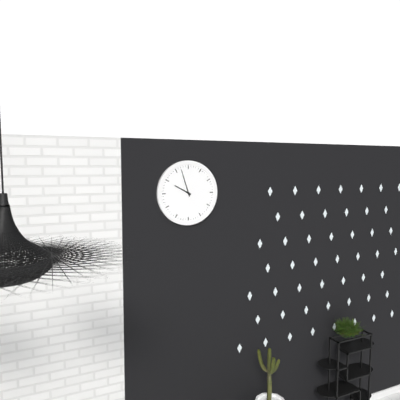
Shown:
9,57
